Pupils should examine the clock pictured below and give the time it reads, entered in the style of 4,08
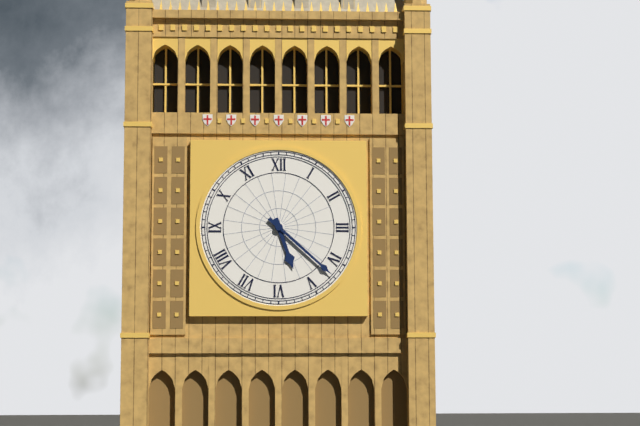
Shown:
5,22
